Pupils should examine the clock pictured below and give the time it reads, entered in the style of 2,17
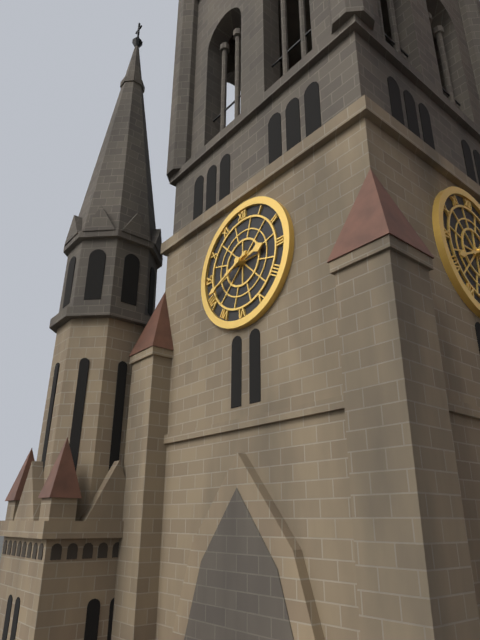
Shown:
2,41
